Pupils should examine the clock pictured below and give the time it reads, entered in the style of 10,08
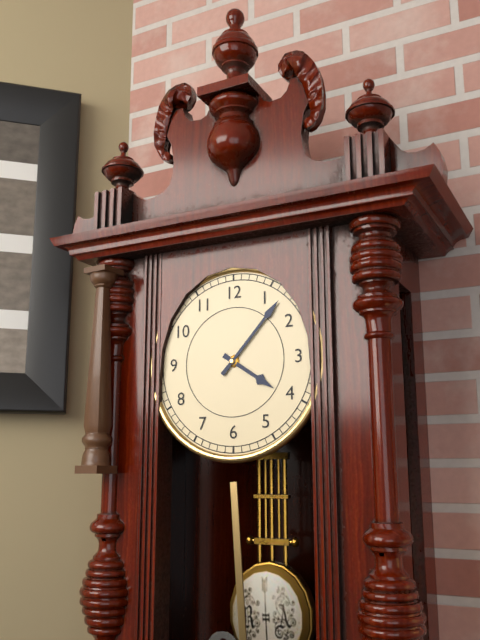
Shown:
4,07
